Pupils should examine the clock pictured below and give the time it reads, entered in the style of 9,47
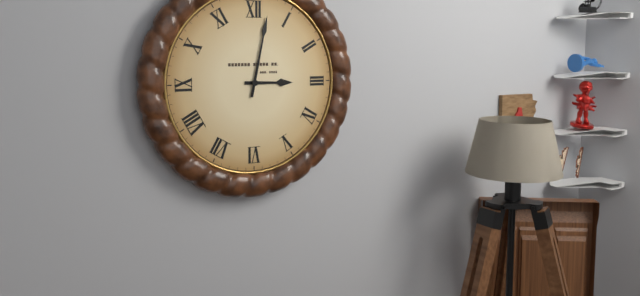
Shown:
3,02
